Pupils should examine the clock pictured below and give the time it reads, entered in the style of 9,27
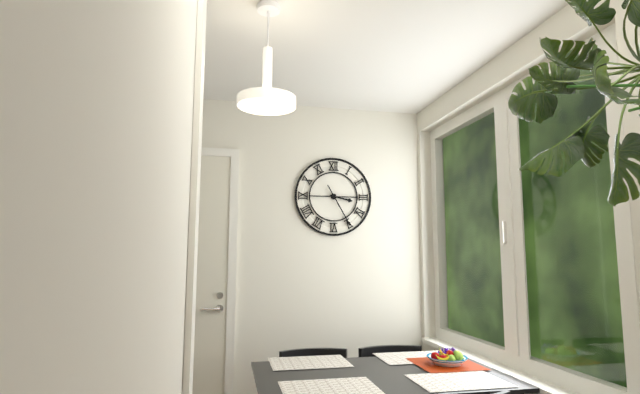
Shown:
3,25
